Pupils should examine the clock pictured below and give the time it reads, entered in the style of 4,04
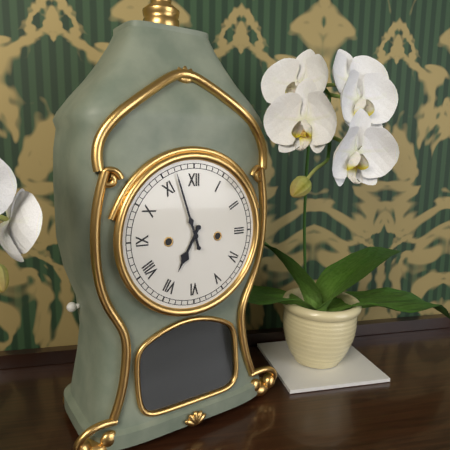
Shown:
6,57
